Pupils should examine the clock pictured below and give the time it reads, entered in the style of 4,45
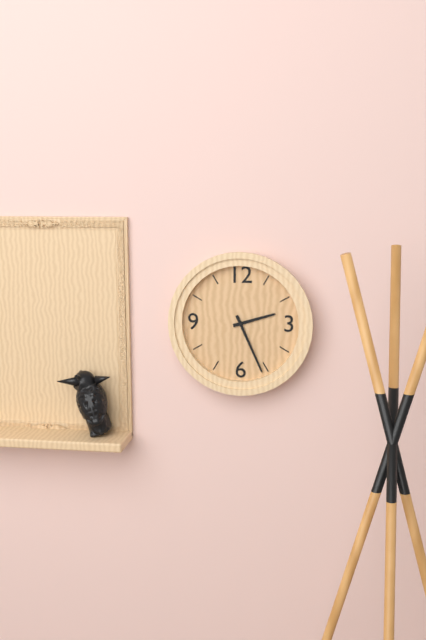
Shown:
2,26
